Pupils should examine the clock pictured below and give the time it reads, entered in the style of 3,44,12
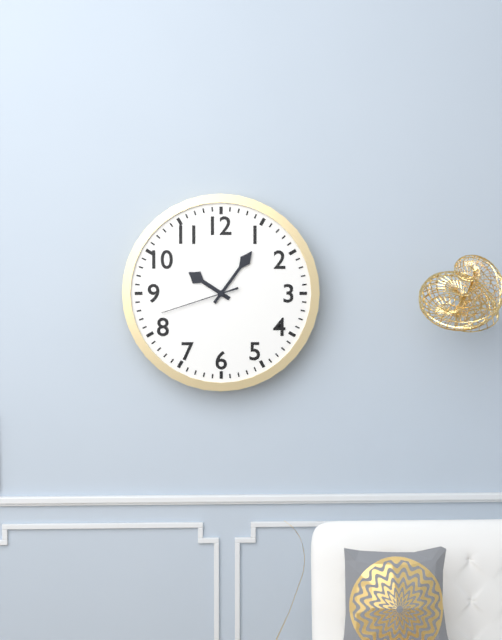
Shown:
10,06,42
